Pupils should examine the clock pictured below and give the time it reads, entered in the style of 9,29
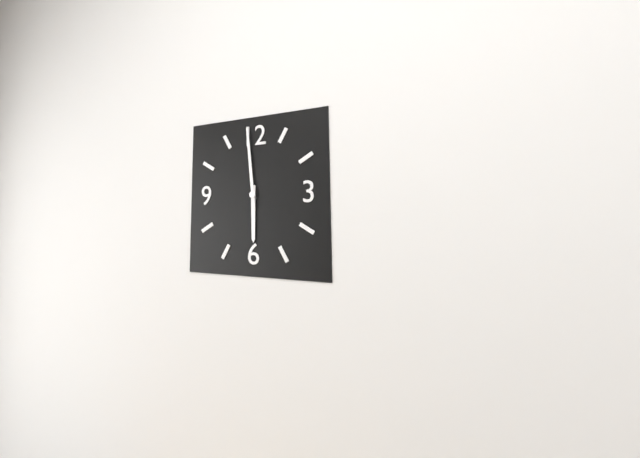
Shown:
5,59
